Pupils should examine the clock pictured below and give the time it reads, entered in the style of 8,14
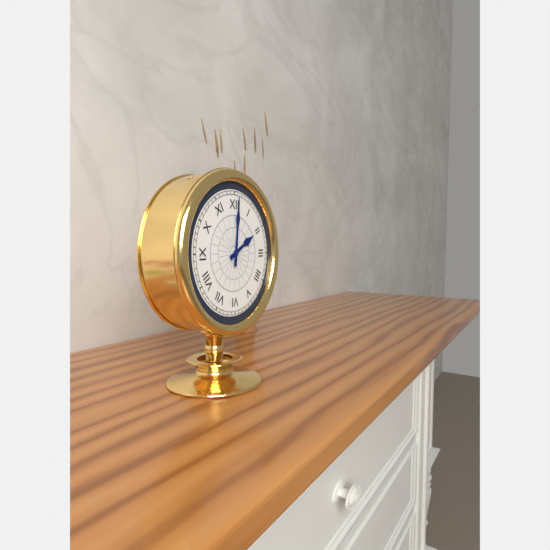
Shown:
2,01
